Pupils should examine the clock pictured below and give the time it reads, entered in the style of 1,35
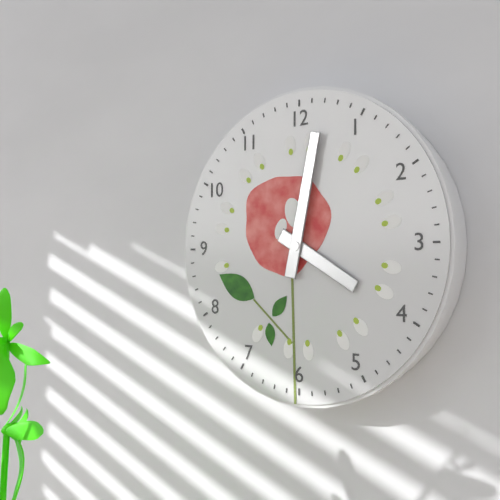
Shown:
4,02
